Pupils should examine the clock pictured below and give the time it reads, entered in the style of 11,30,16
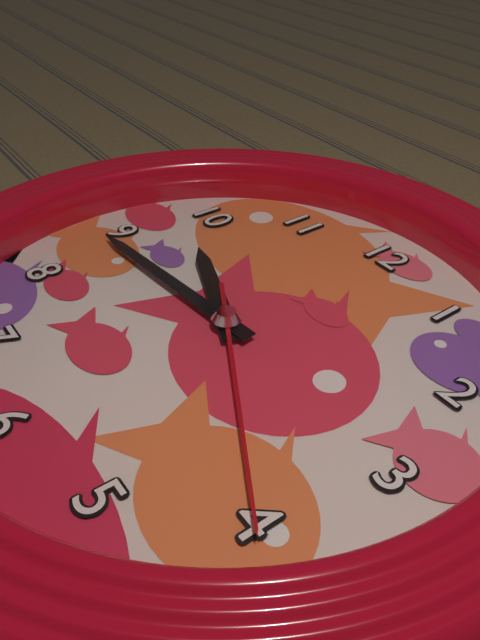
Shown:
9,44,20
